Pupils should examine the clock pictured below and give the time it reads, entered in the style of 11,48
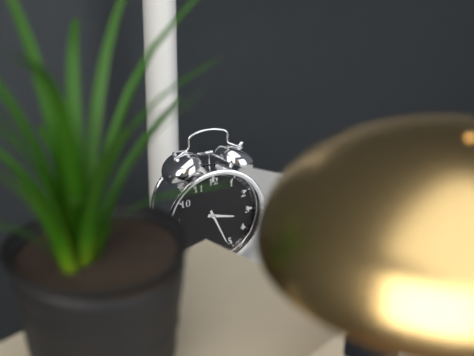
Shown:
3,26
